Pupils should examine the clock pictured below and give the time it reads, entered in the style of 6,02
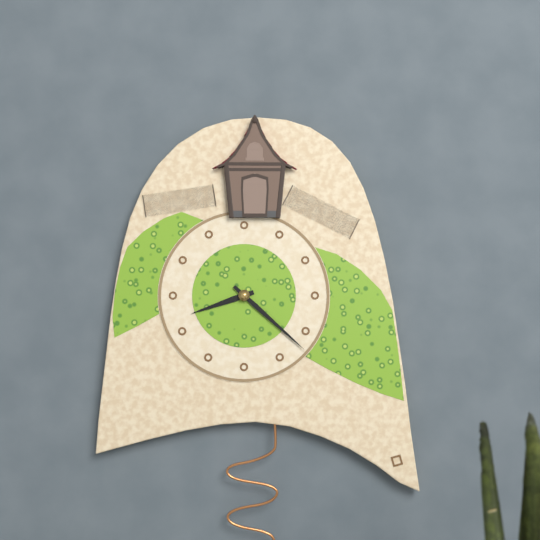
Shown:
8,22
